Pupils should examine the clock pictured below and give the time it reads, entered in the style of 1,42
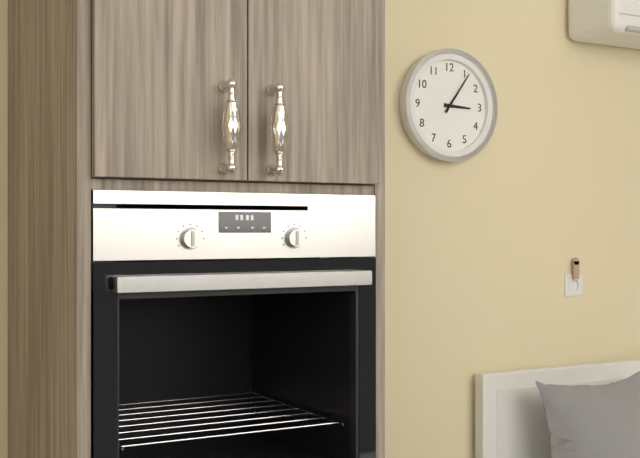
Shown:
3,06
